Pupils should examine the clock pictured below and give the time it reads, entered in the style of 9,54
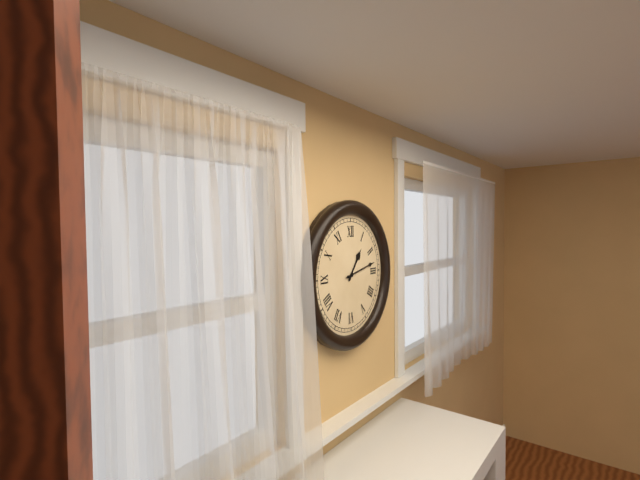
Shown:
1,13
